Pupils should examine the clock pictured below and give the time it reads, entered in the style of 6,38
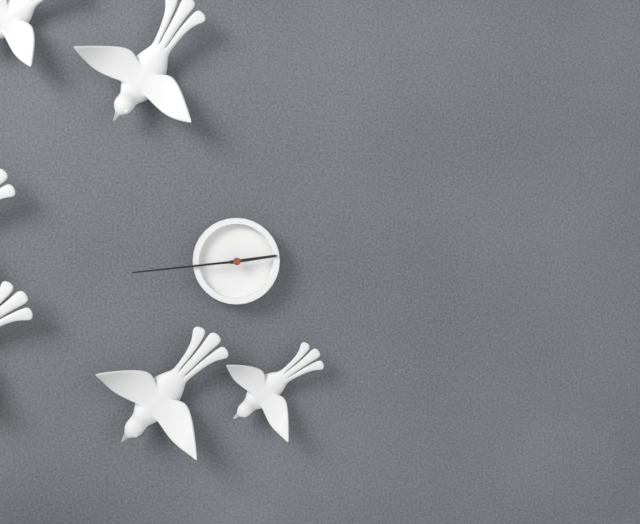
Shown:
2,44
